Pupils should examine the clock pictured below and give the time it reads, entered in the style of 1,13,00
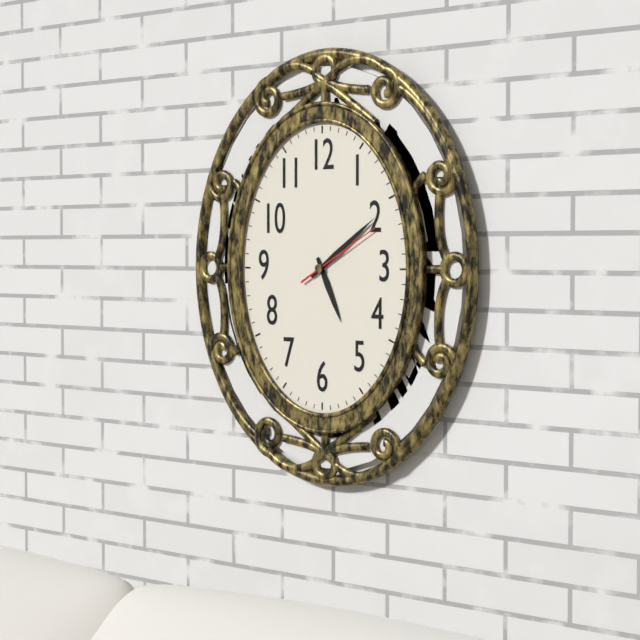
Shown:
5,09,10
